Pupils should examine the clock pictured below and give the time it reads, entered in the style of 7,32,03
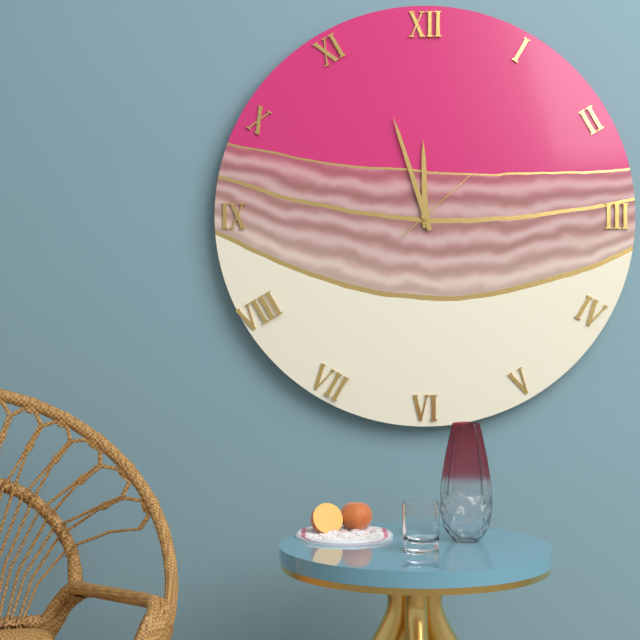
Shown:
11,57,08
